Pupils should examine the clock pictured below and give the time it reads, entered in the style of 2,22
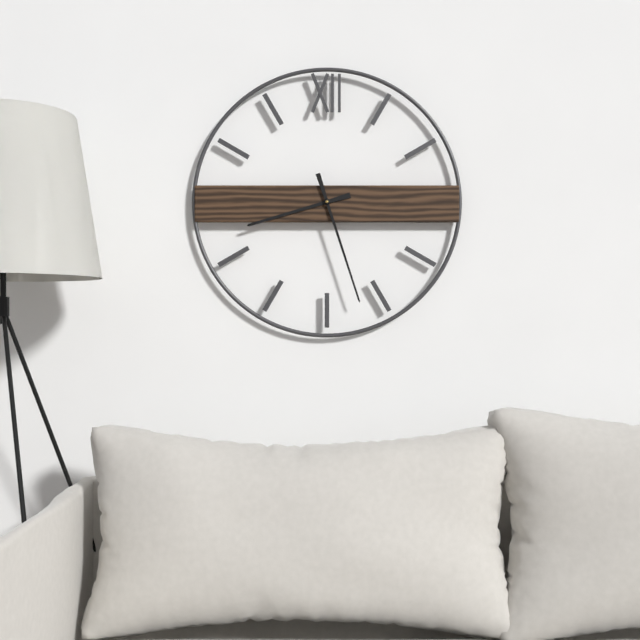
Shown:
8,27
